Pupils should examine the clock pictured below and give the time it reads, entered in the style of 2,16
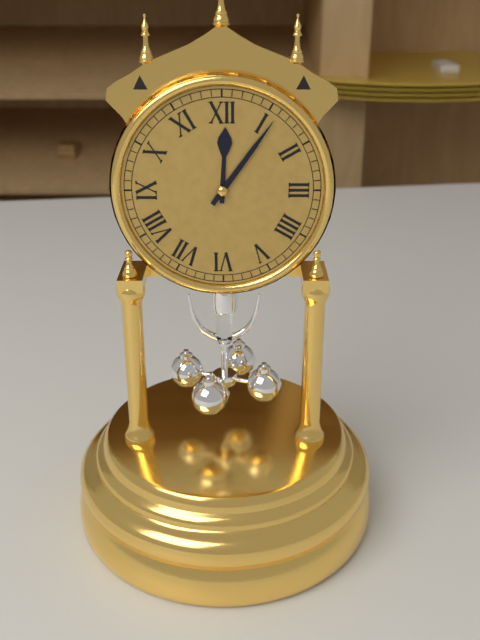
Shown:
12,06
